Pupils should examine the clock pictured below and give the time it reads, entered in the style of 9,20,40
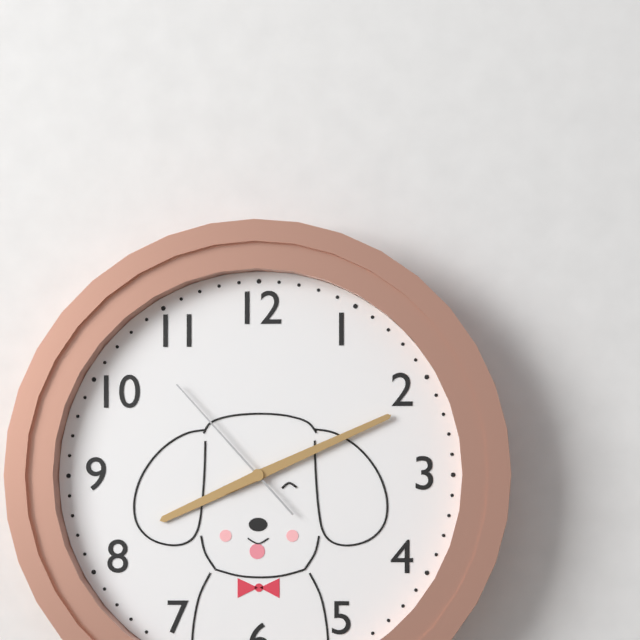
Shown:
8,11,53
